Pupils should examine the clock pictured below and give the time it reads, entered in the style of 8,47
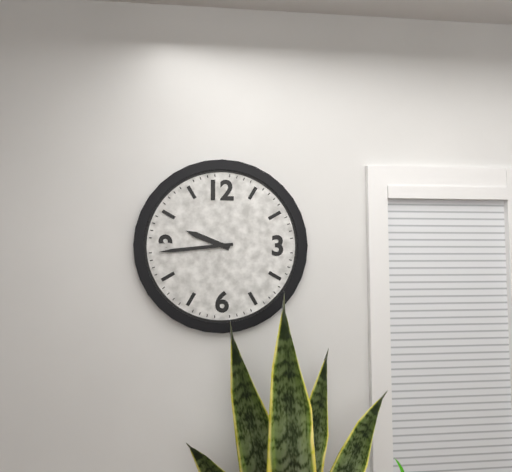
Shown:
9,44
